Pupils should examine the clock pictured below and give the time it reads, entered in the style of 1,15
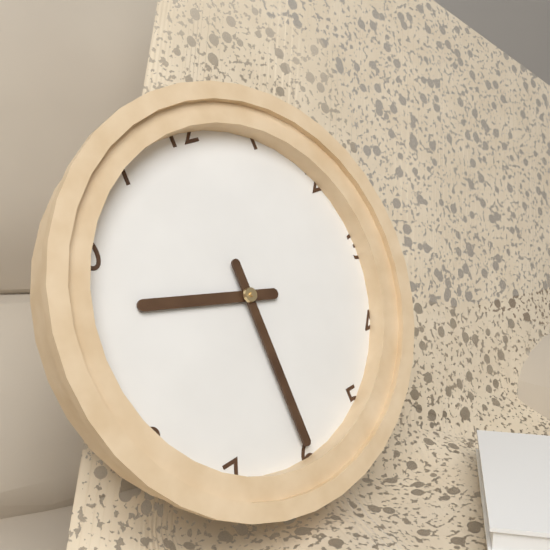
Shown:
9,30
